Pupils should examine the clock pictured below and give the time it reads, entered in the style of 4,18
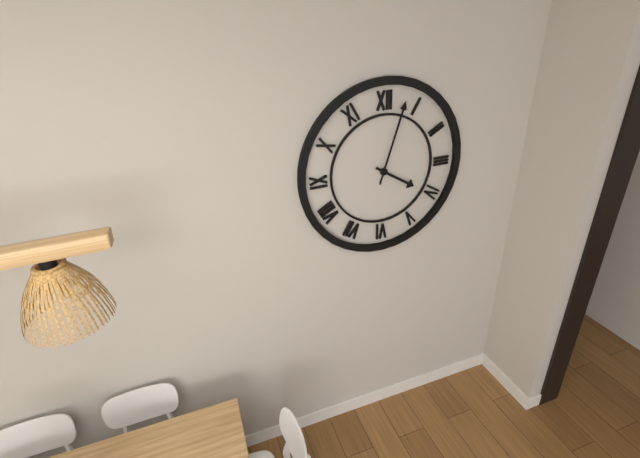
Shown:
4,03
